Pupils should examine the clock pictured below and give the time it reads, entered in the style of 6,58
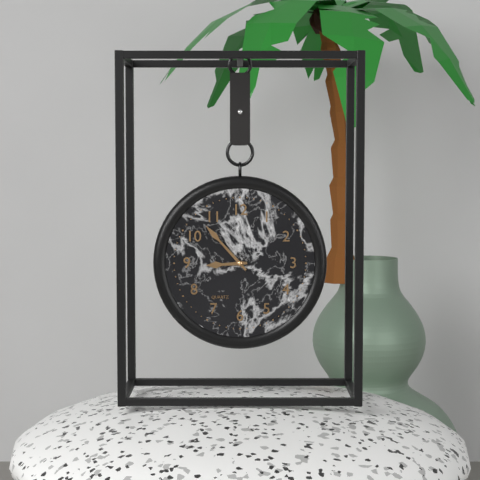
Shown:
8,53
